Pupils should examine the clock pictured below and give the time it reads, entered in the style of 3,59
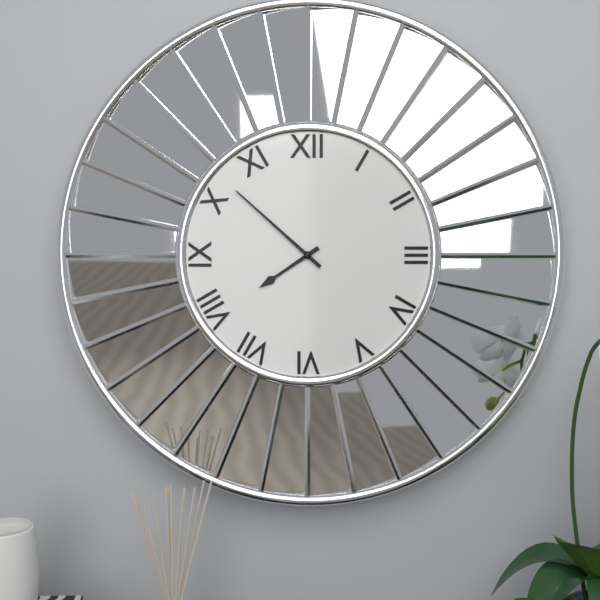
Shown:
7,52
